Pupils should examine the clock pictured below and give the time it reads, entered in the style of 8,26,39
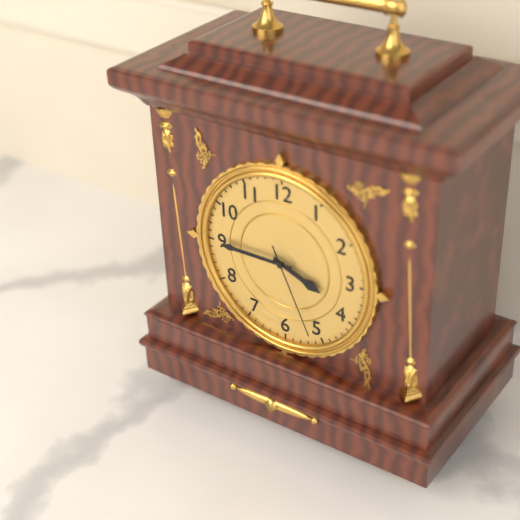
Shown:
3,45,26
